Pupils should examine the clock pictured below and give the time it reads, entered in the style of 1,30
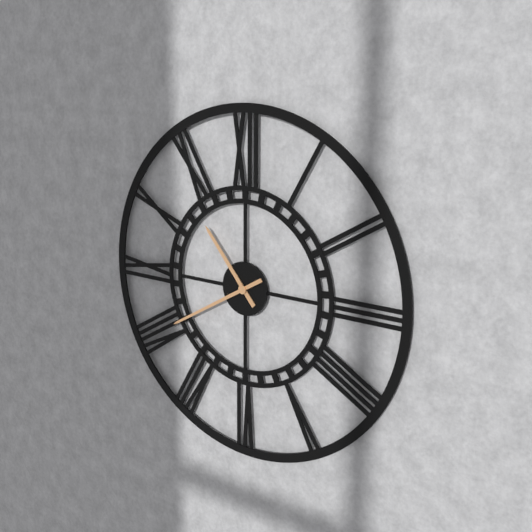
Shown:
10,40
